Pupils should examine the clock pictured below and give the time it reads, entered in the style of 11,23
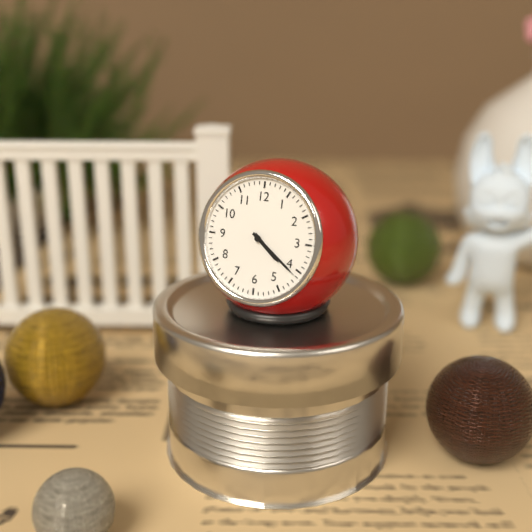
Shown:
4,21
